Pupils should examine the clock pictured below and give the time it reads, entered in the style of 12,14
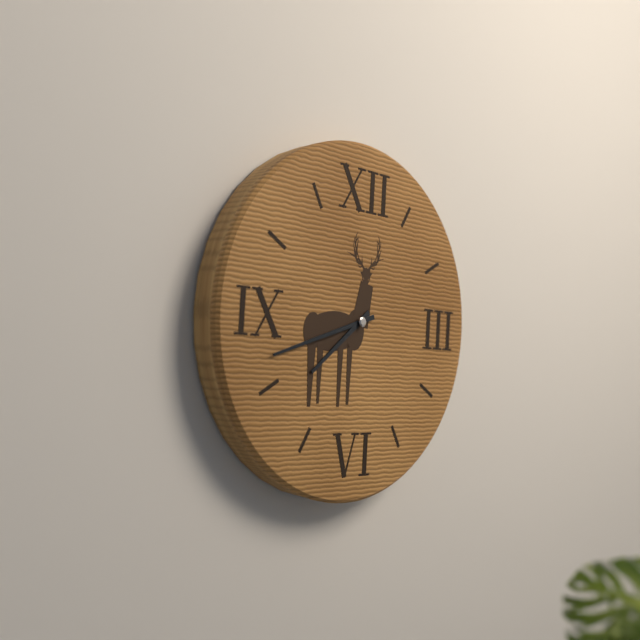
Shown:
7,42
